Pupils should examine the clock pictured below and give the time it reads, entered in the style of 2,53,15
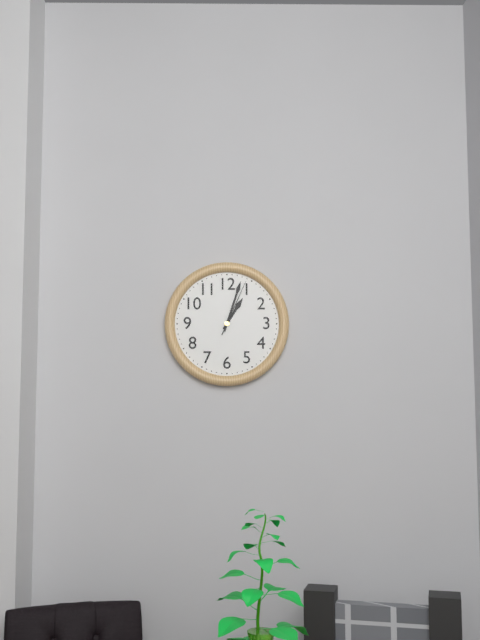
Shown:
1,03,04
